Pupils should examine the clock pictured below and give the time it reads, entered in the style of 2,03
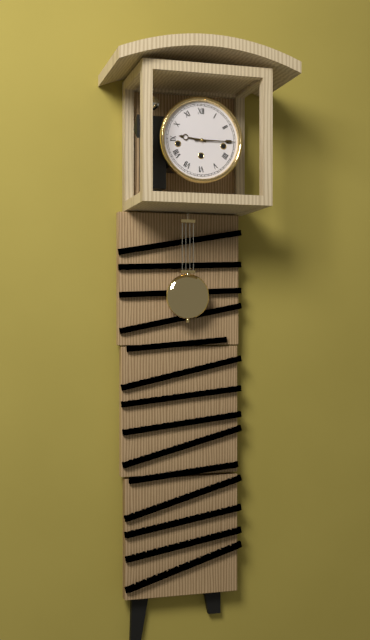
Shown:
9,15
